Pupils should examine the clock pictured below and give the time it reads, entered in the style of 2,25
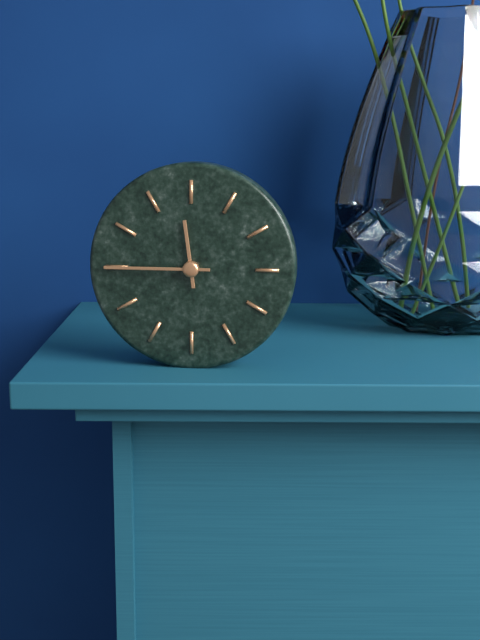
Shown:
11,45
